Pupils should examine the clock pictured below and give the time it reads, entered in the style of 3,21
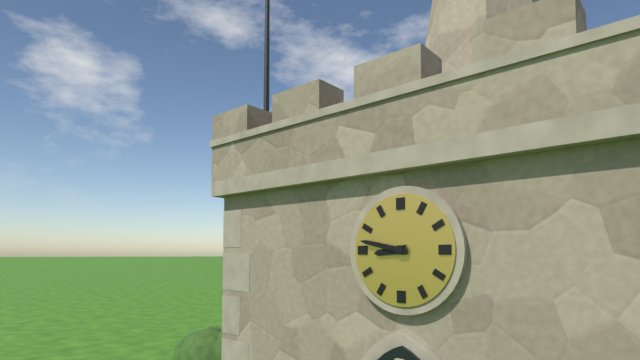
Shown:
8,47
